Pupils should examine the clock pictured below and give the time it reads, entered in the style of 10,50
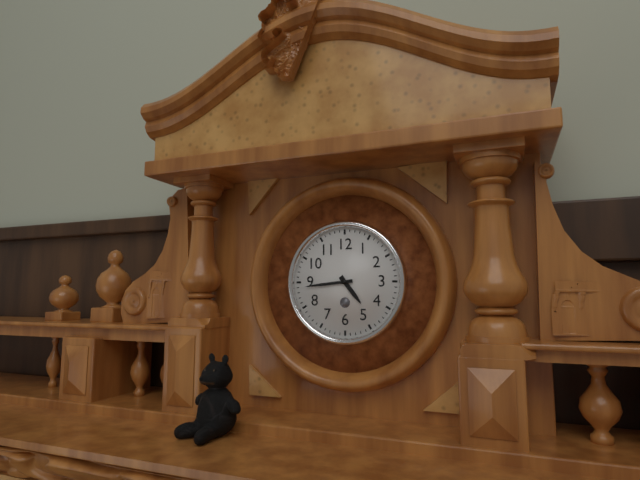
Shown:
4,44
